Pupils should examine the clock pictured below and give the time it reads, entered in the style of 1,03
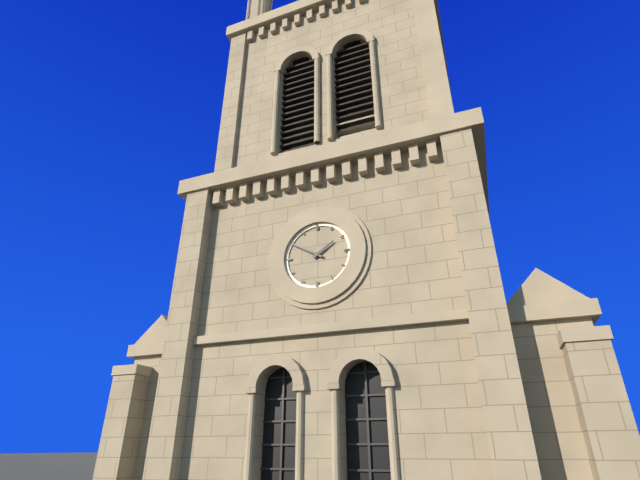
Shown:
1,50
